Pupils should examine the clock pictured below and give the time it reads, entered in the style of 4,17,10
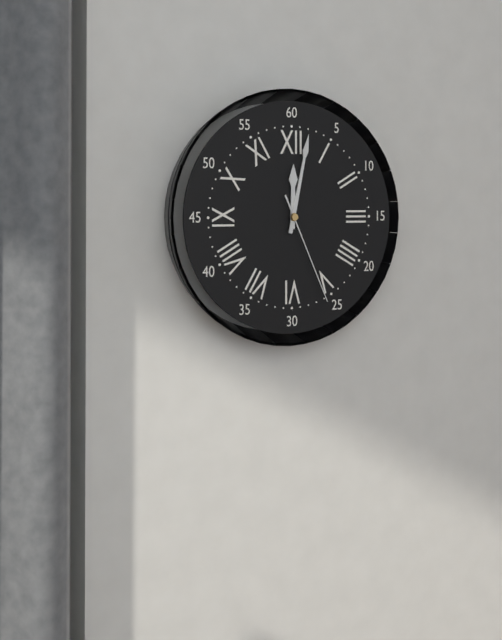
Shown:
12,02,26
